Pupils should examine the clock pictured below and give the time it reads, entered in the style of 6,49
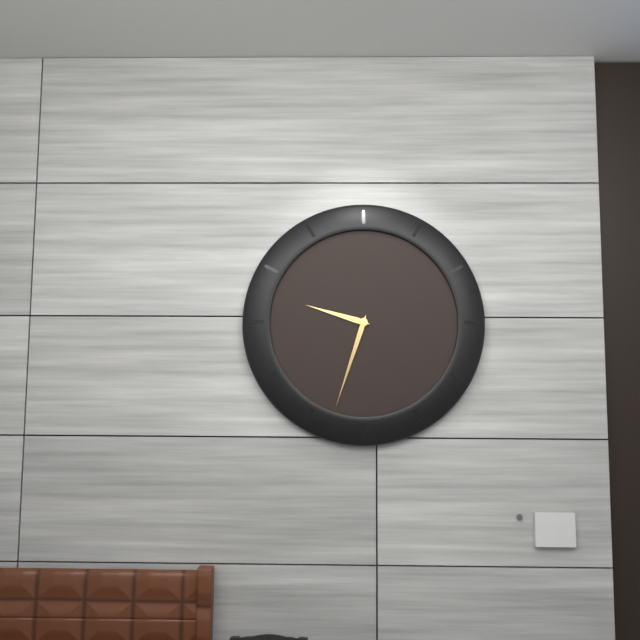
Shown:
9,33
